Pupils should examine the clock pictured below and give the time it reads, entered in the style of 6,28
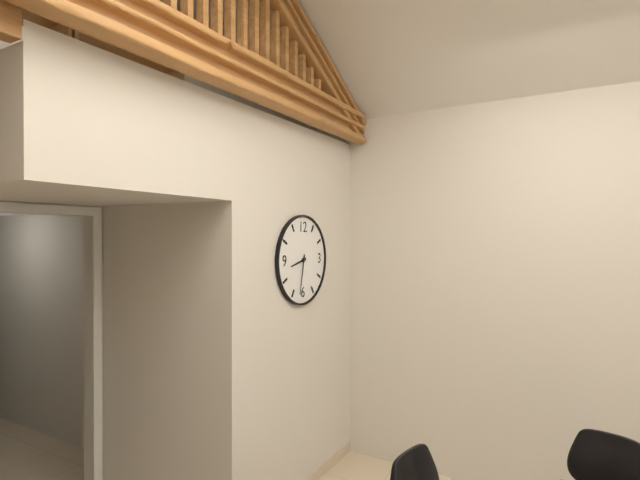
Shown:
8,32
